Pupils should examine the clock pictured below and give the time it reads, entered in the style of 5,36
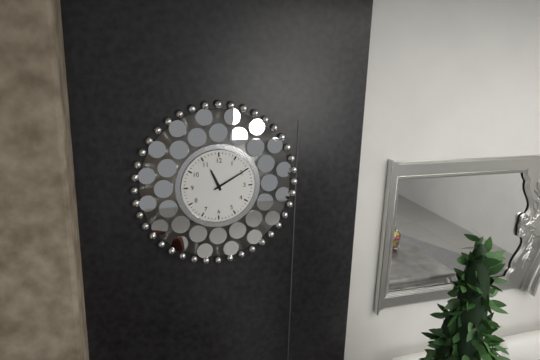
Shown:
11,10
